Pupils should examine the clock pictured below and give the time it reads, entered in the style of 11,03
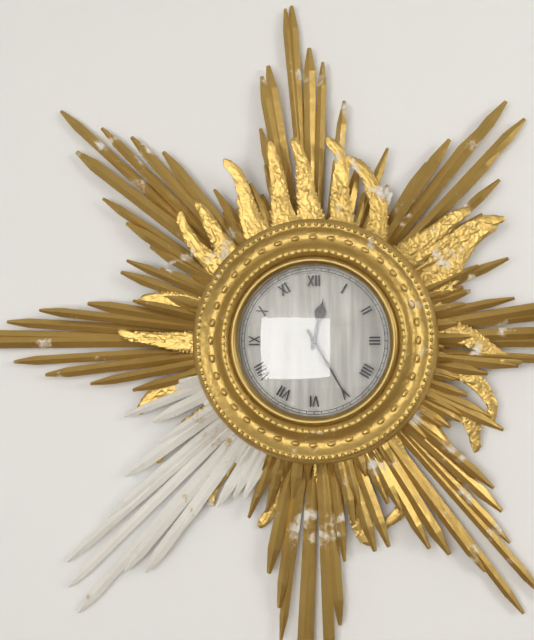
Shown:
12,25
